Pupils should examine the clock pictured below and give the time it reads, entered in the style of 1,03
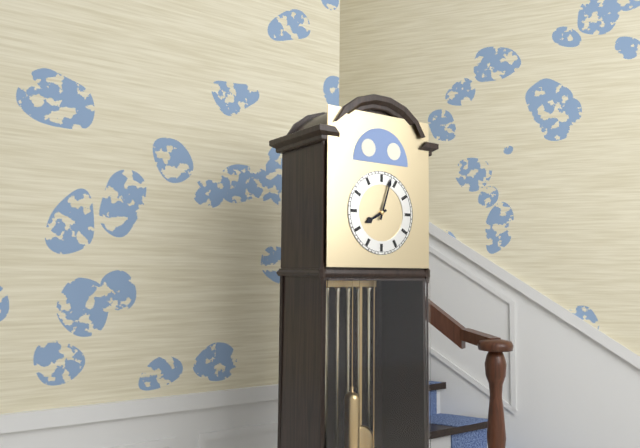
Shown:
8,03
